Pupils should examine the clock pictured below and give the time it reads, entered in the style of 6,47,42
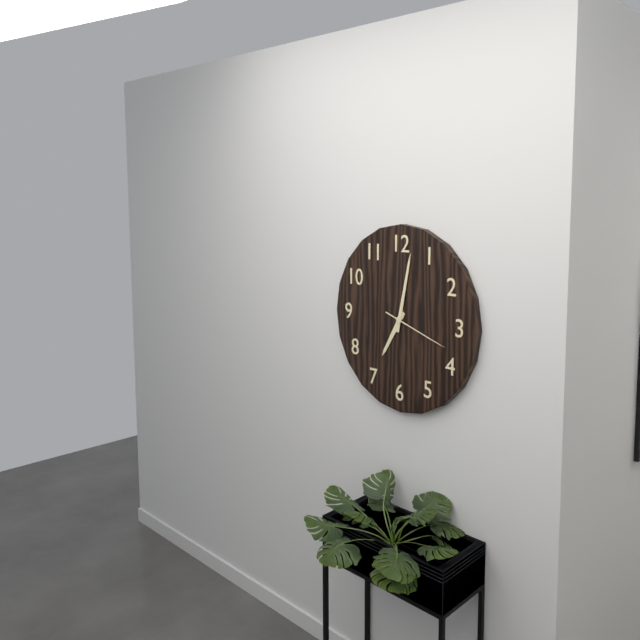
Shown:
7,02,18
